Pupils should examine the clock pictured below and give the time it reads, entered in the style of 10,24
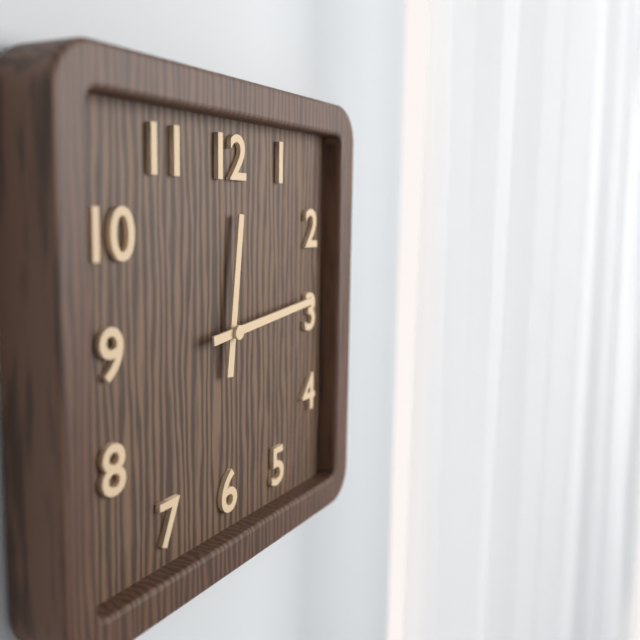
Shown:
12,14
